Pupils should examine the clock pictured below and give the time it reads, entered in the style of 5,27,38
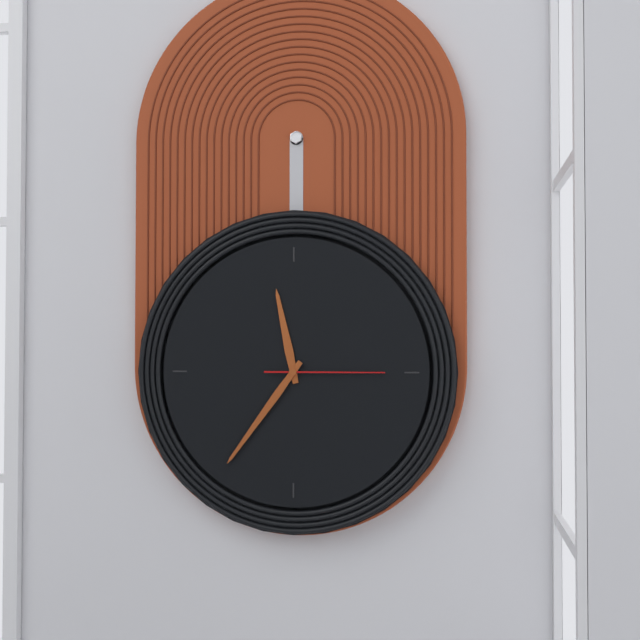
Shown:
11,36,15
